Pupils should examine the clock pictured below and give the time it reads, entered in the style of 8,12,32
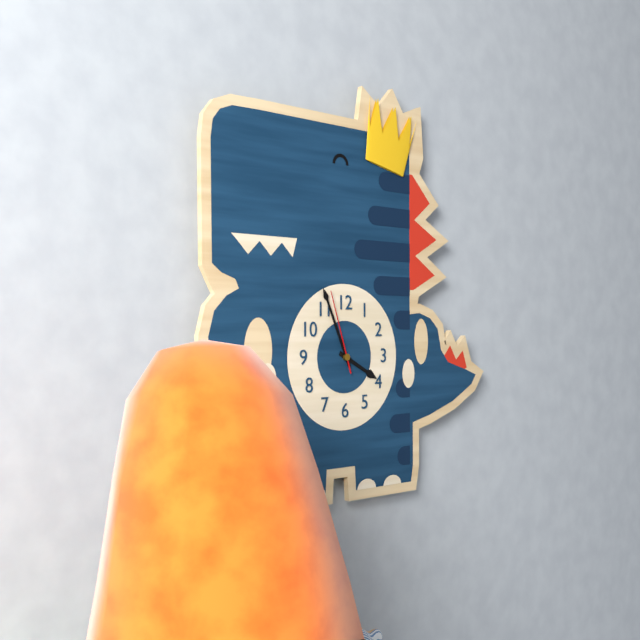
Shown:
3,56,57
